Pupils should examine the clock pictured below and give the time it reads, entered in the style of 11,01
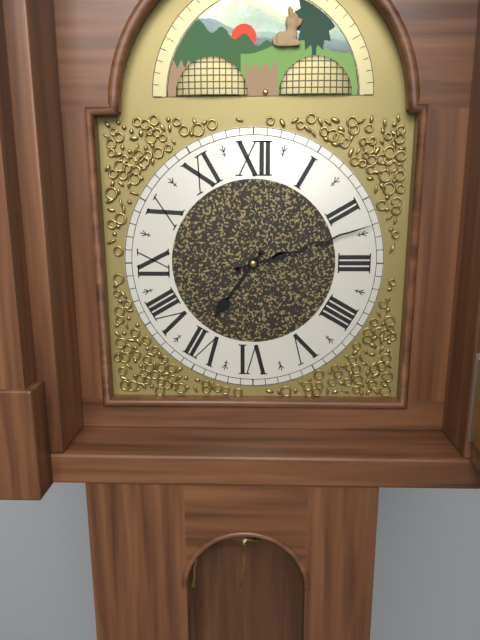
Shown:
7,12
